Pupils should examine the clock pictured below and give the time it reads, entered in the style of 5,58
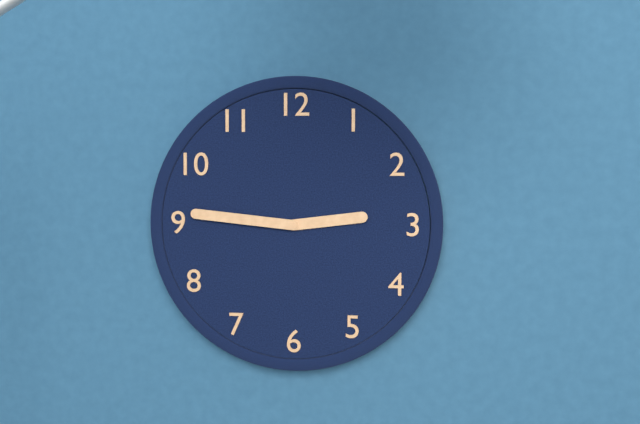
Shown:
2,46
